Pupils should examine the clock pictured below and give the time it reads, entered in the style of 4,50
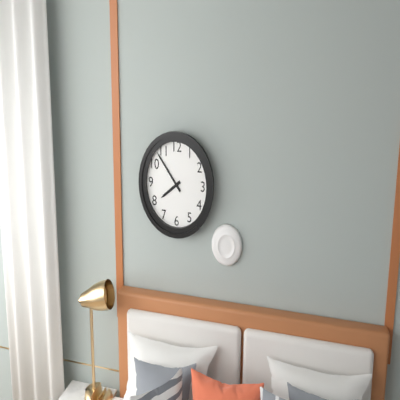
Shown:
7,53
